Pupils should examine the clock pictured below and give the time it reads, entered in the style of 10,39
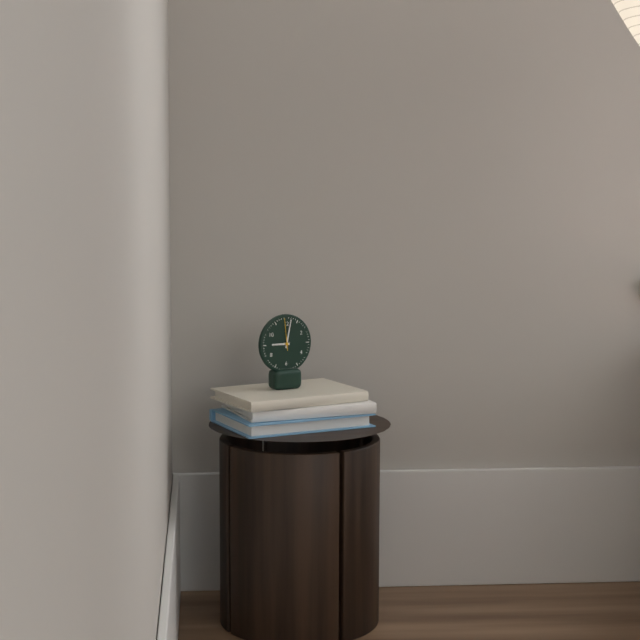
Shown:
9,02
